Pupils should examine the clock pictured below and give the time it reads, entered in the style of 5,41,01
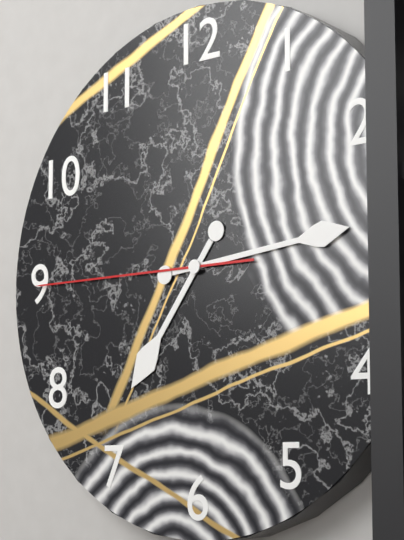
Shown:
7,14,45
